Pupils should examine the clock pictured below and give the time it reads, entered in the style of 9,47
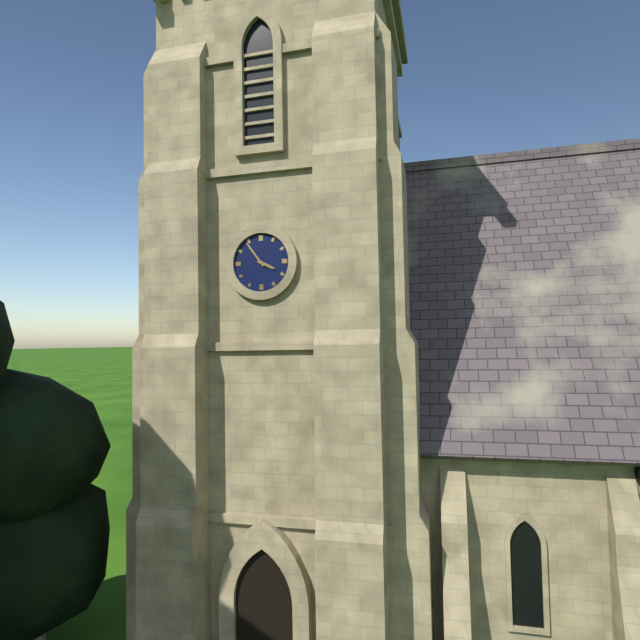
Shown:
3,54
